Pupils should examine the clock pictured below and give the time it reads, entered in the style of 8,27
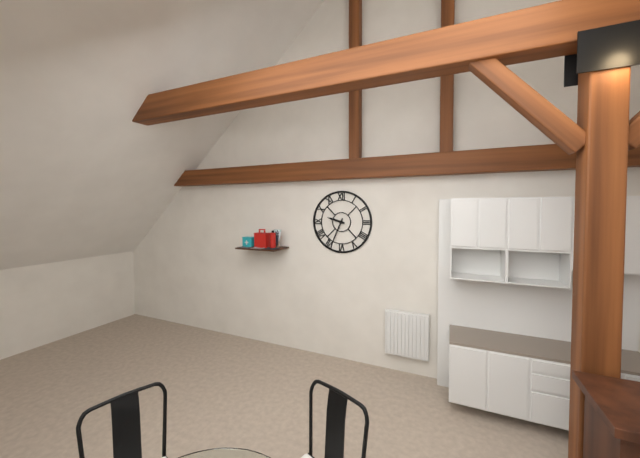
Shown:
9,34
